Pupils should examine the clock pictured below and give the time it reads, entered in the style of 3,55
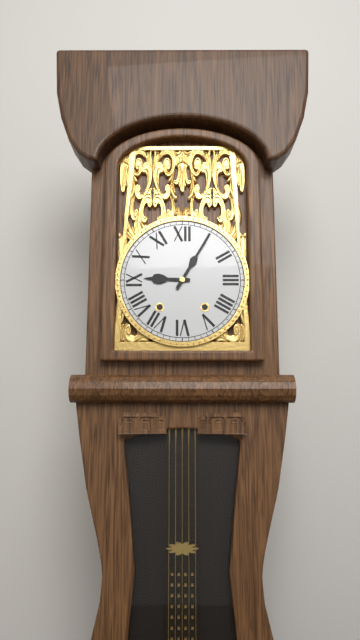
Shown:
9,05
